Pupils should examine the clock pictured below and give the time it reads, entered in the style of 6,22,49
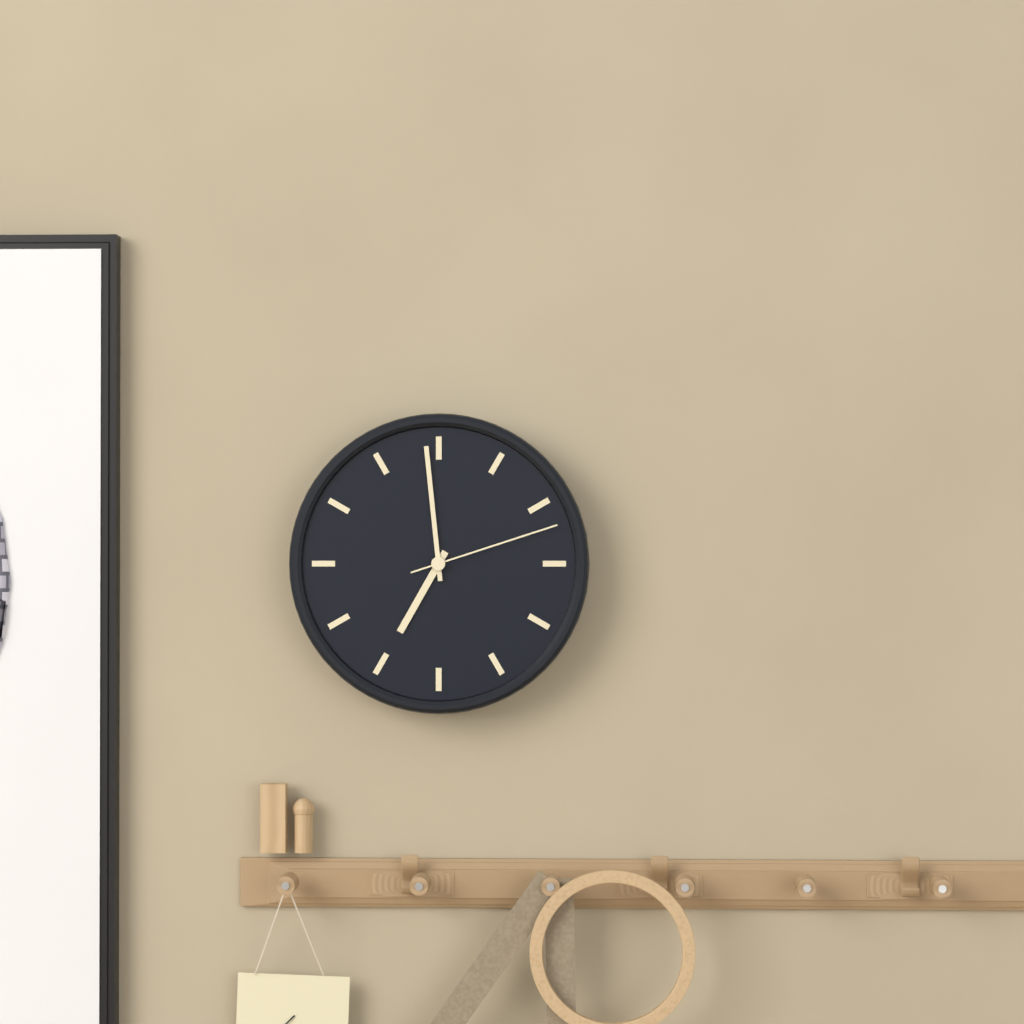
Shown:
6,59,12
